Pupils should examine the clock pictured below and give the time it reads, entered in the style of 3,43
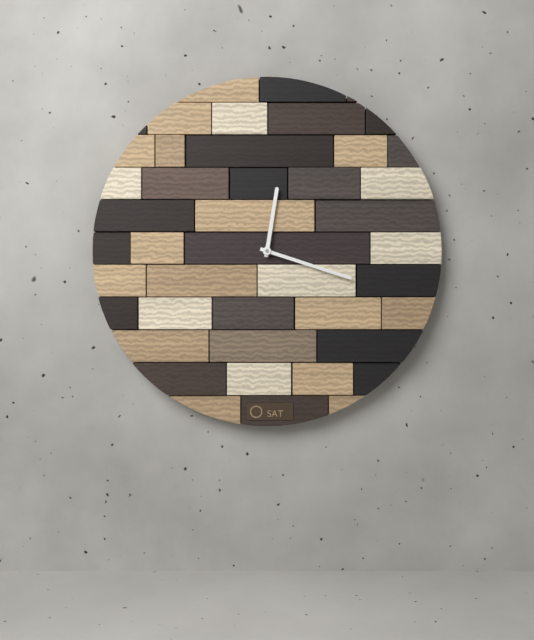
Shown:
12,18
